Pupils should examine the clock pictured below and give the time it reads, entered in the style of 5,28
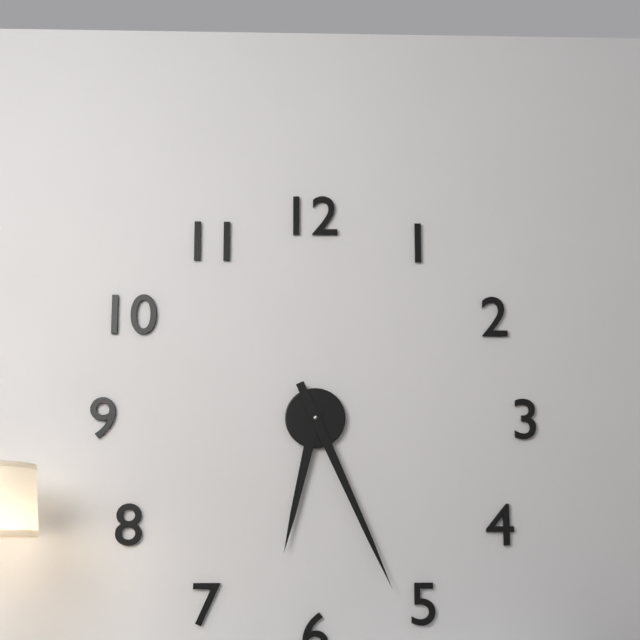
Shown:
6,26
